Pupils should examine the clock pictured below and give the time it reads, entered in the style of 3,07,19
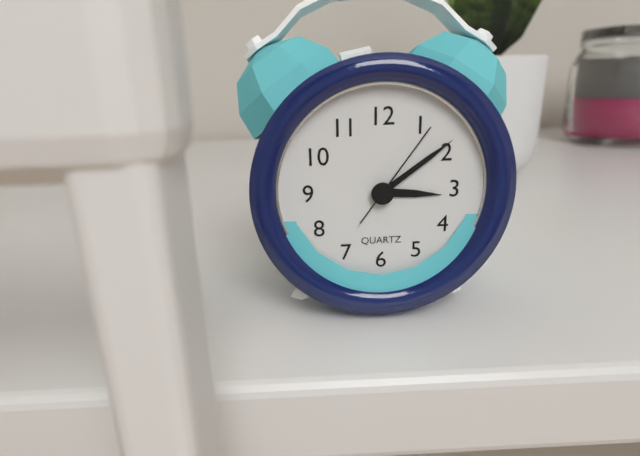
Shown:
3,09,06
